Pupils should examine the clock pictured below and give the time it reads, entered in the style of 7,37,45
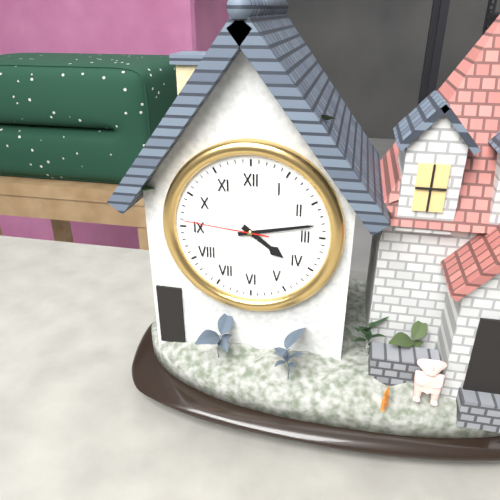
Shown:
4,13,46
